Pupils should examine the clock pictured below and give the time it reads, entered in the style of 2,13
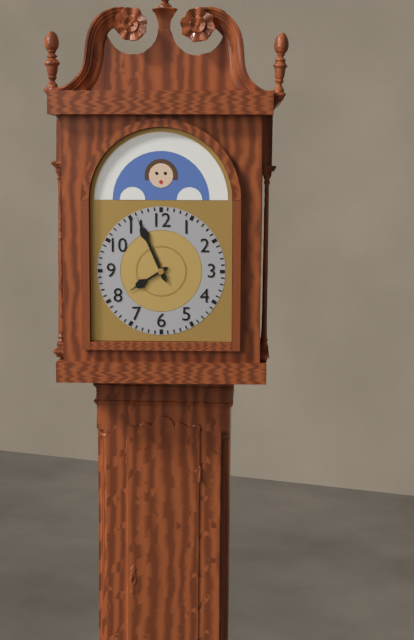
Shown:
7,56
